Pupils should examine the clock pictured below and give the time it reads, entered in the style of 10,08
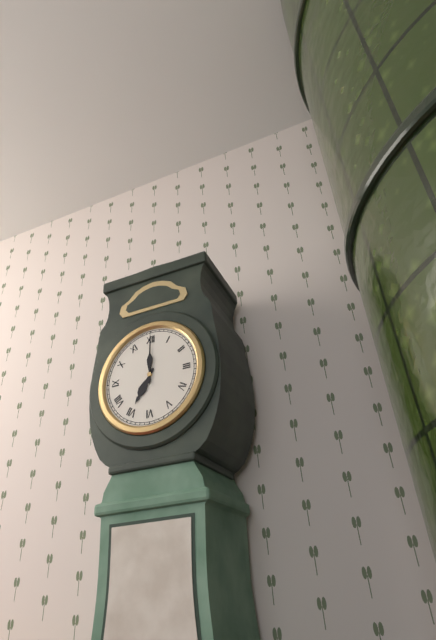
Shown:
7,00
